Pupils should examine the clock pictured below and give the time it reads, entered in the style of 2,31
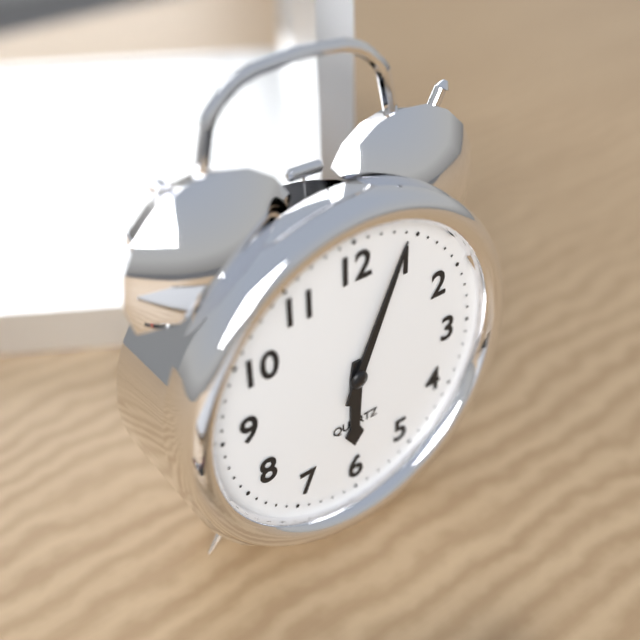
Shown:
6,04
